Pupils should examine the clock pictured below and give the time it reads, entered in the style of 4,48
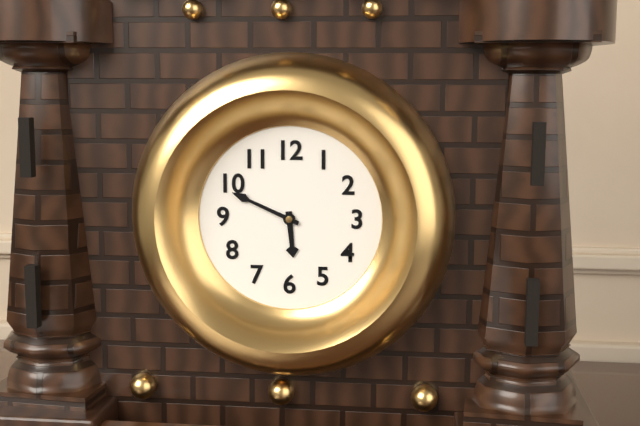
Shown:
5,49
